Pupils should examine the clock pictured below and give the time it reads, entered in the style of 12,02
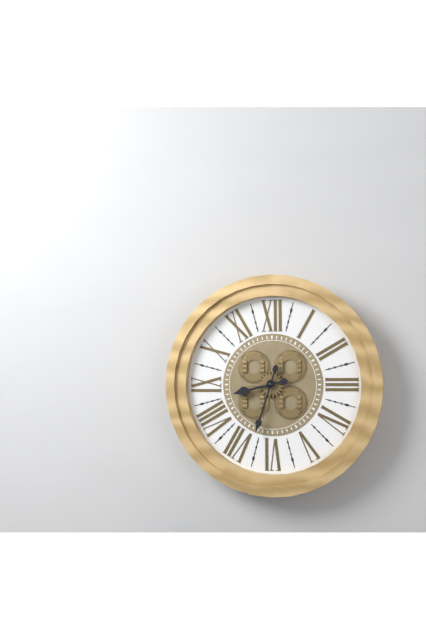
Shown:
8,33
